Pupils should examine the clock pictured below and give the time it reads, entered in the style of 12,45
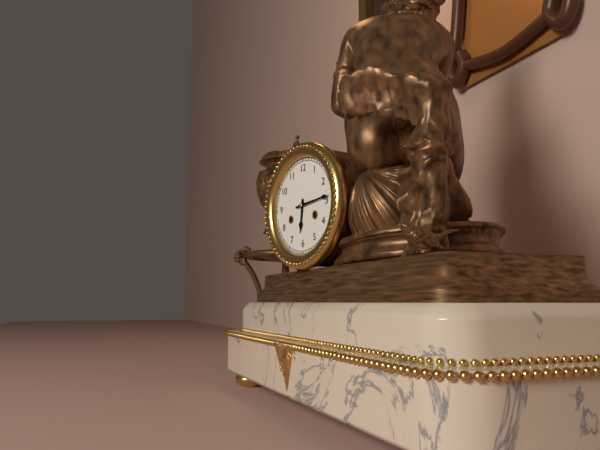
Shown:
6,14
